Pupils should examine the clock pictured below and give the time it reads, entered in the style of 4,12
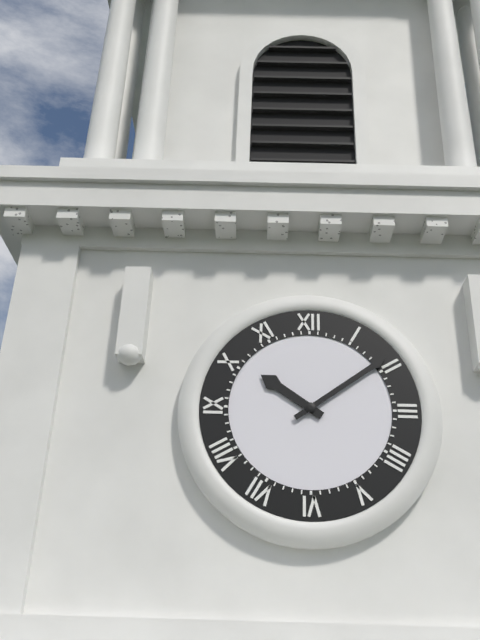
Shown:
10,09
